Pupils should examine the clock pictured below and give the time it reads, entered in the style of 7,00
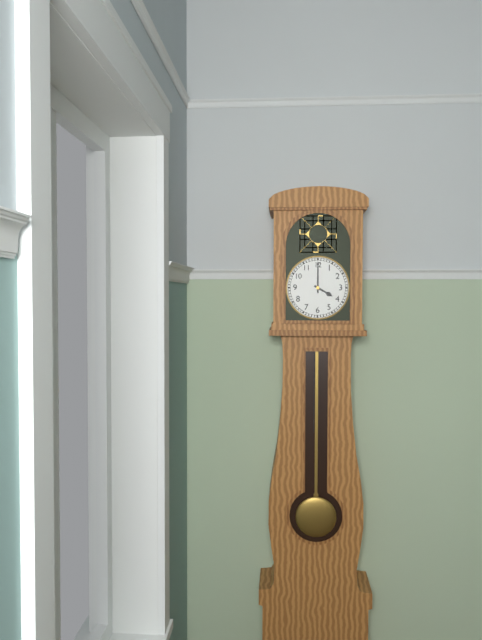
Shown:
4,00
